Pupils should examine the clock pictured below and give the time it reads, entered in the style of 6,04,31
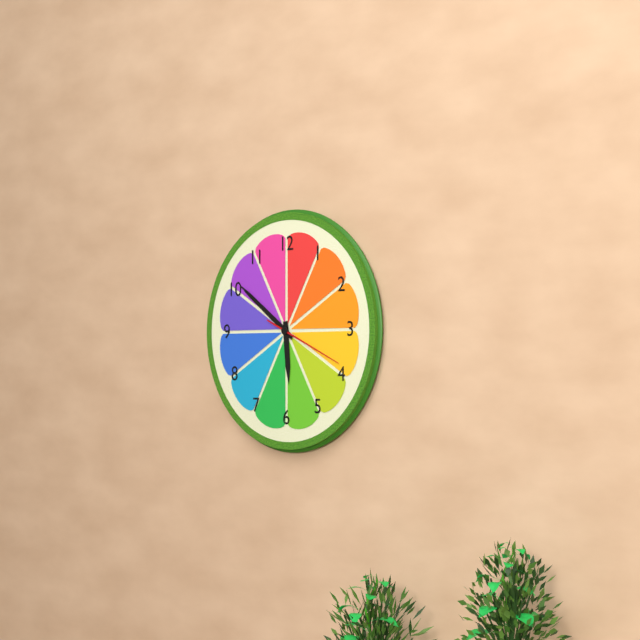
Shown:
5,51,19
